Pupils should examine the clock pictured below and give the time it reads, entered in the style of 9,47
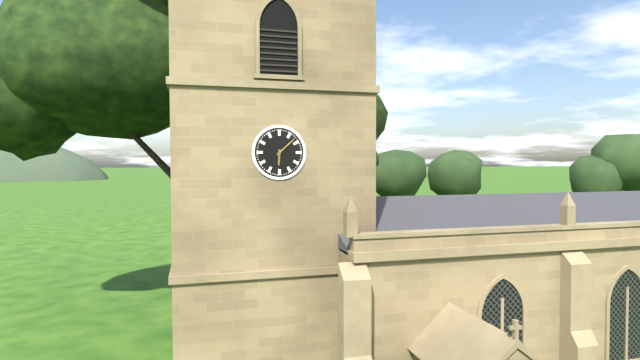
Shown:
6,08
